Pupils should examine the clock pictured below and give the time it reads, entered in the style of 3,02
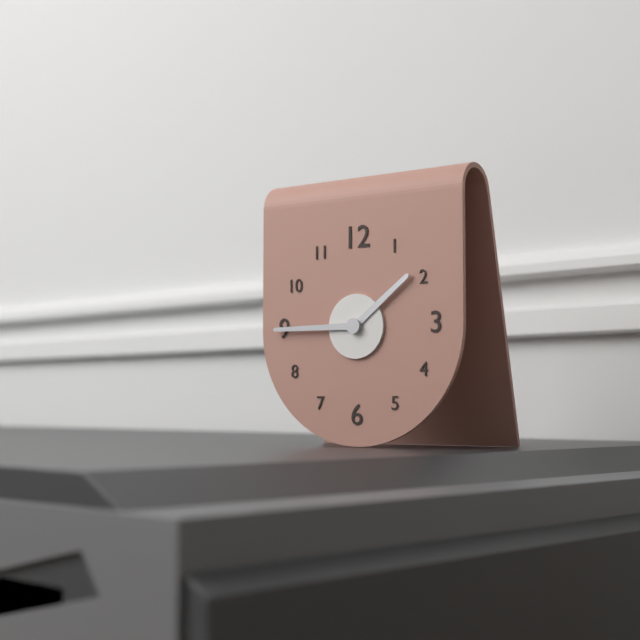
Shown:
1,45
